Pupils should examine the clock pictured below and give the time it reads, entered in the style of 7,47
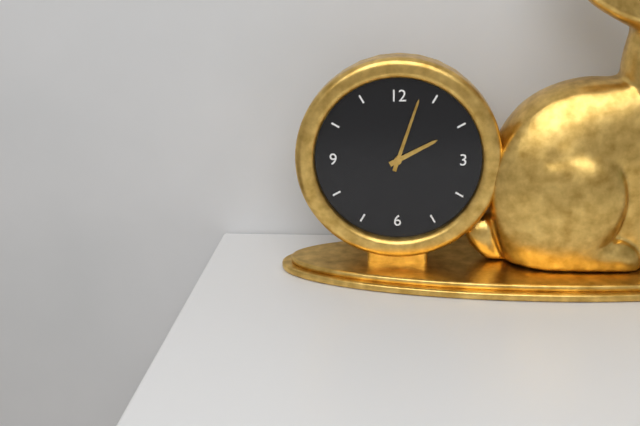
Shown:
2,03
